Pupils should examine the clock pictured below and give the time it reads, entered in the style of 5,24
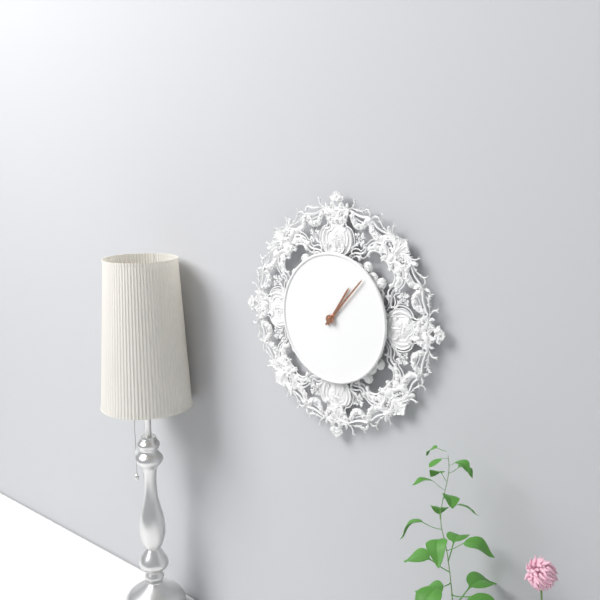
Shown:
1,07
